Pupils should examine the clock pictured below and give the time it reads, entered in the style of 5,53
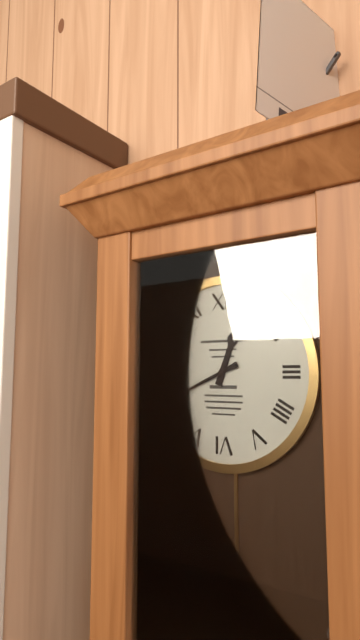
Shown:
12,41
